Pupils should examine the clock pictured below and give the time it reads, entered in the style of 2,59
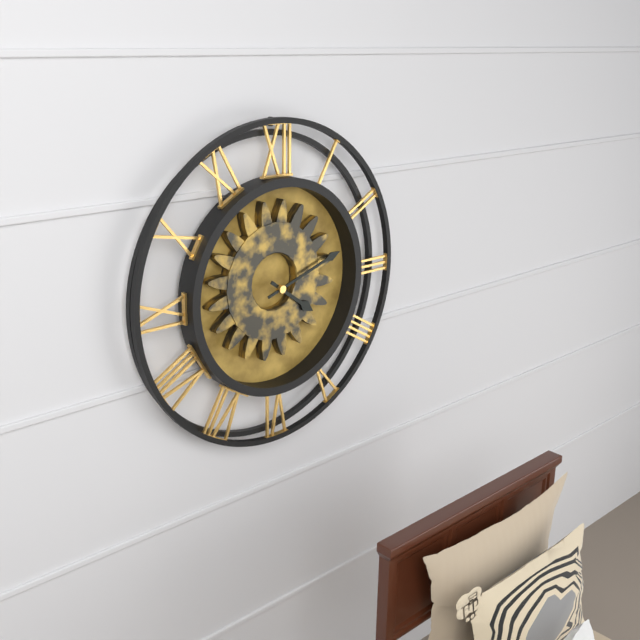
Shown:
4,12
